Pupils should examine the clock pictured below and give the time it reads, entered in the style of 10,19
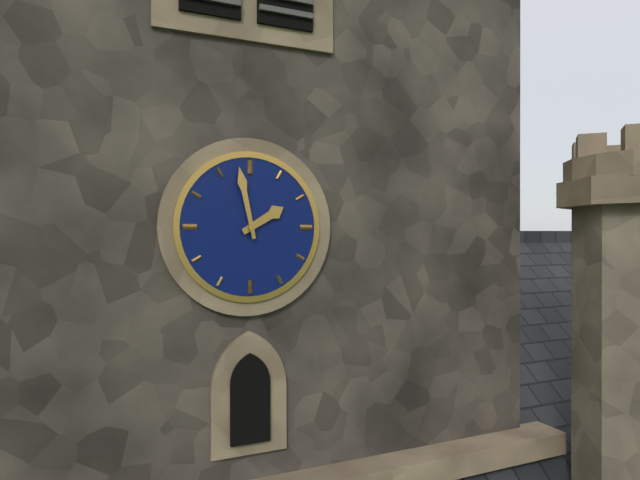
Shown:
1,58
